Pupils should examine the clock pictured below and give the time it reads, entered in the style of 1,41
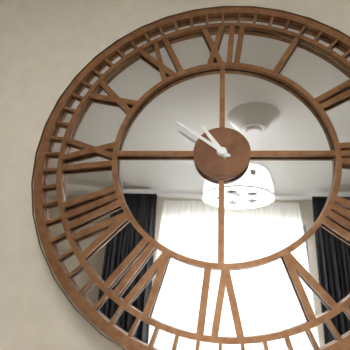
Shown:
10,51
